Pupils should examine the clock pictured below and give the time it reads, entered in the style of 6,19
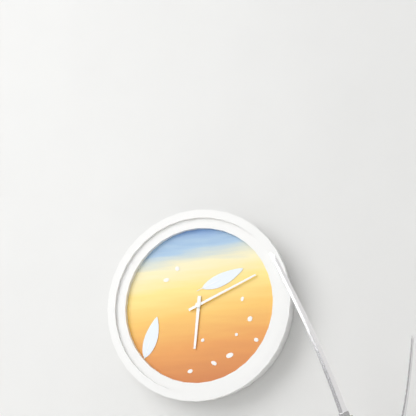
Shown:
6,11
